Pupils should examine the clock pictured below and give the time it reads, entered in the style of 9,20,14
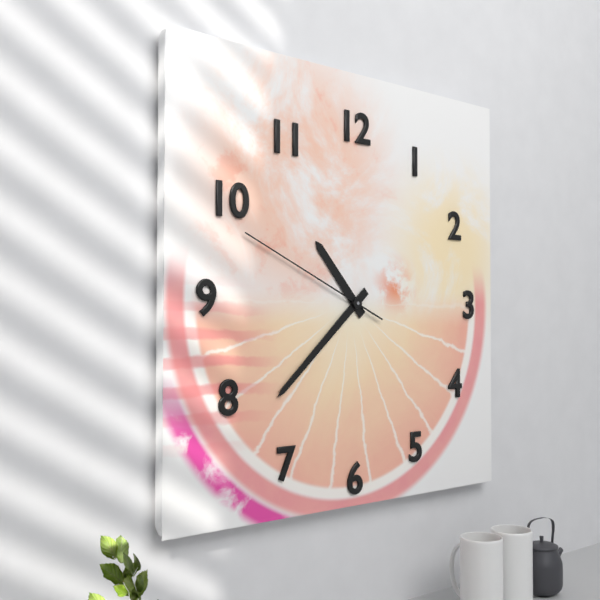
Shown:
10,38,49
